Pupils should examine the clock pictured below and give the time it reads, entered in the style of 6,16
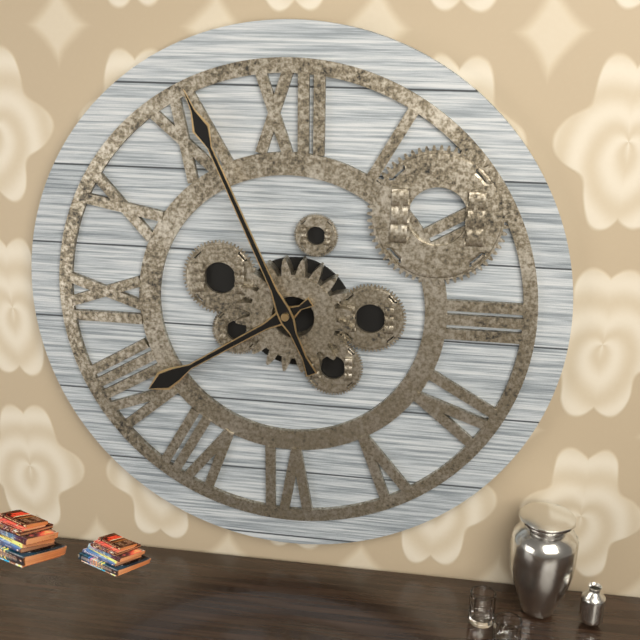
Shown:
7,56
